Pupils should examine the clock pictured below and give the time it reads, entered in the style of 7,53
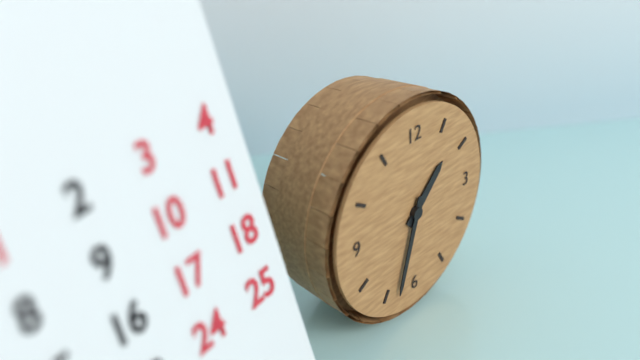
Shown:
1,33
